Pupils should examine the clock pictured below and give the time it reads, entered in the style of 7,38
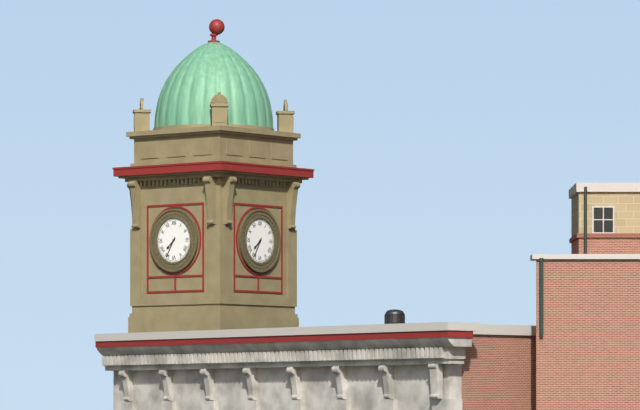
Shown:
7,35
